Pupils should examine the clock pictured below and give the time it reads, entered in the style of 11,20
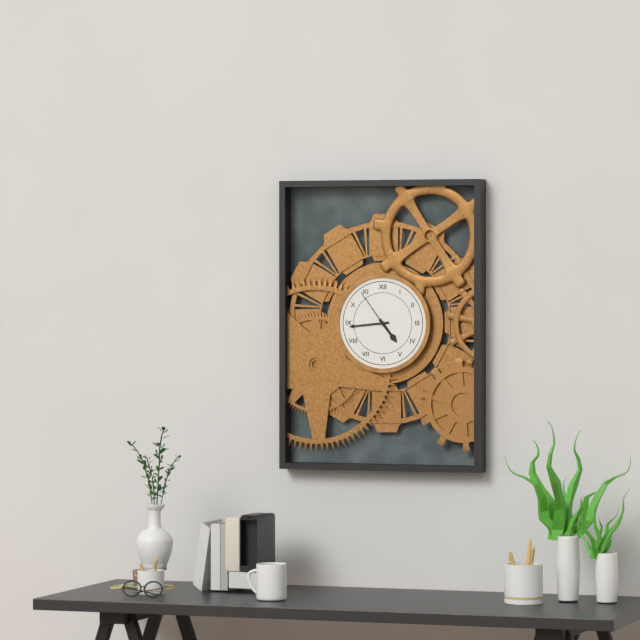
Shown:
4,44
